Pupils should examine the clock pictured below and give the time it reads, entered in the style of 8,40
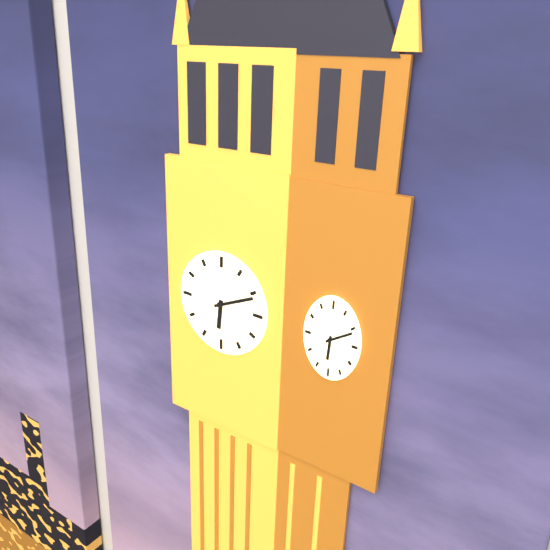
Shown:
6,11
